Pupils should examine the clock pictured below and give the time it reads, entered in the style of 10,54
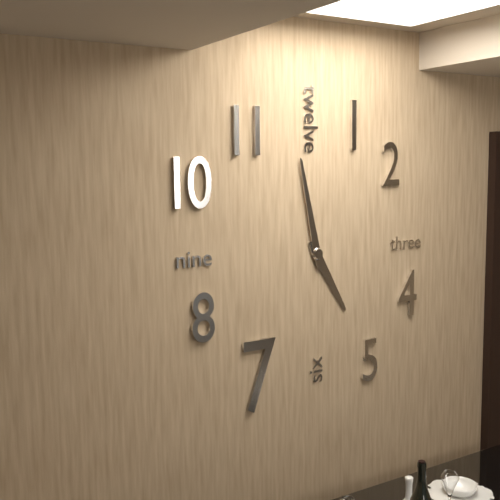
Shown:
4,58
